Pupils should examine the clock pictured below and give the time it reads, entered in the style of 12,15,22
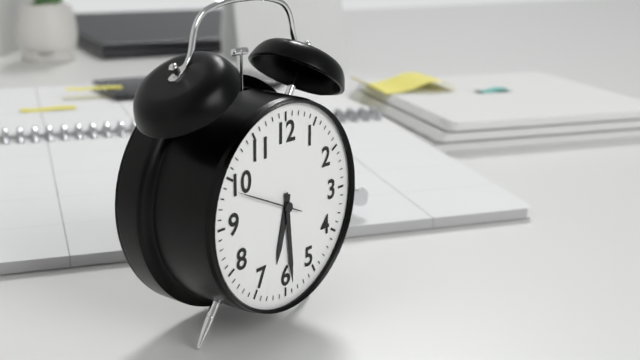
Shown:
6,29,49
